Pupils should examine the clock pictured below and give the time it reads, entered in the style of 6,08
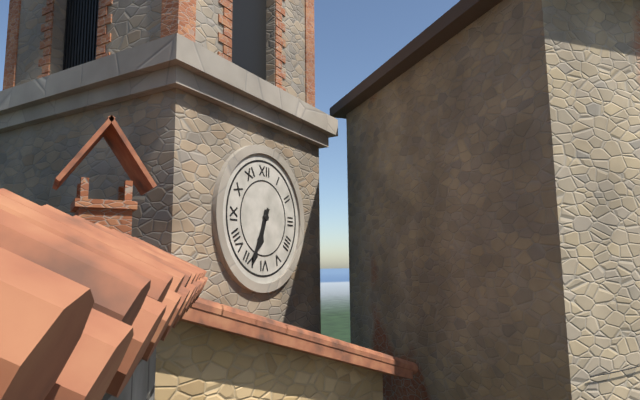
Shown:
6,34
